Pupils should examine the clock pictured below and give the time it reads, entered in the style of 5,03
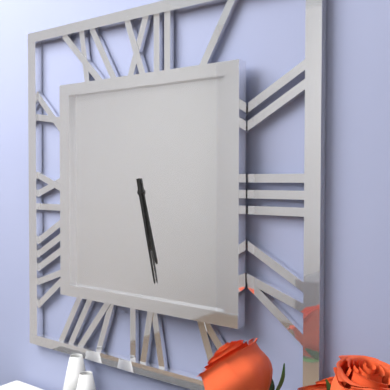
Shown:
5,28
